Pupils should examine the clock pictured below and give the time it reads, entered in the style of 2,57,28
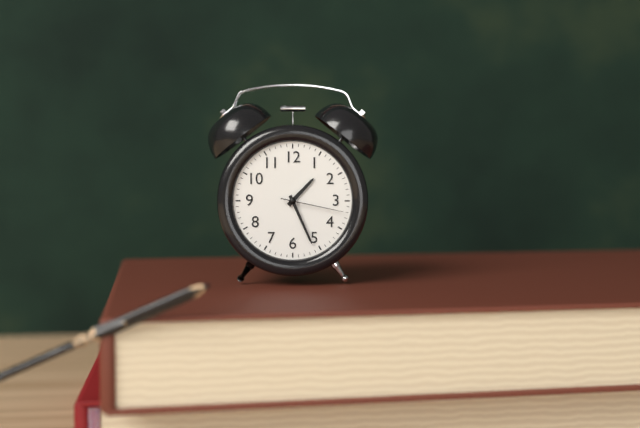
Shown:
1,26,17
